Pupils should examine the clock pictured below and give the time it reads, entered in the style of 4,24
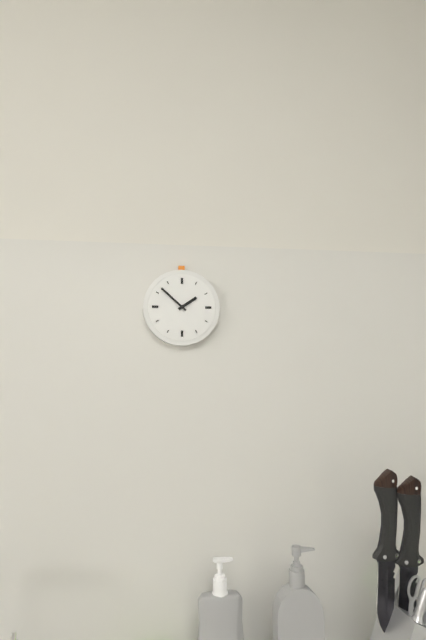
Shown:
1,52
